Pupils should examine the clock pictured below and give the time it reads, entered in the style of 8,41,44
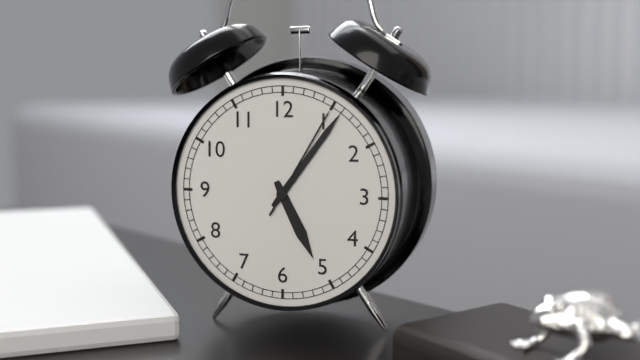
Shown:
5,06,05
